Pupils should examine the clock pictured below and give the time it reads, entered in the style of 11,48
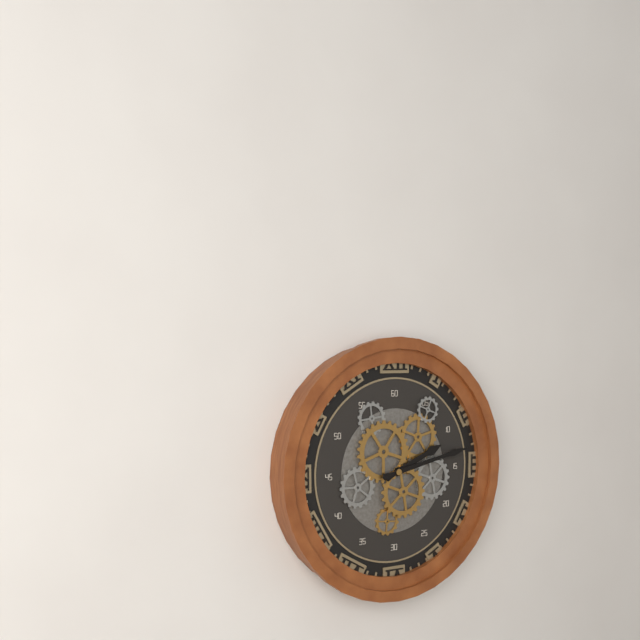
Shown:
2,13
